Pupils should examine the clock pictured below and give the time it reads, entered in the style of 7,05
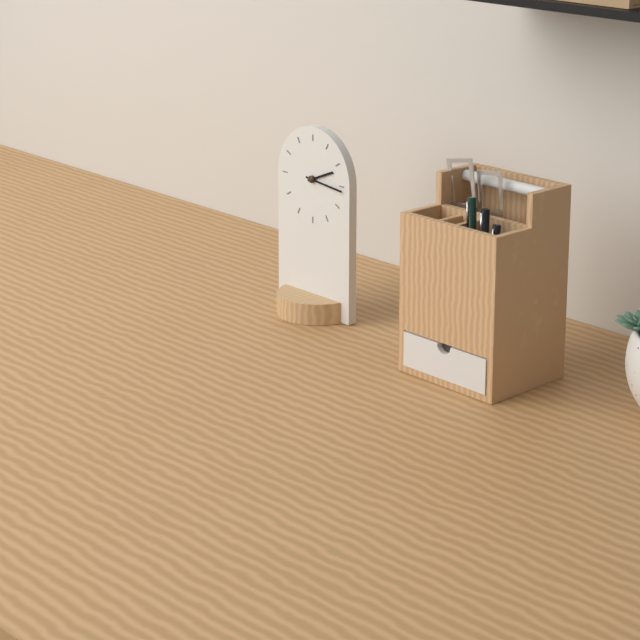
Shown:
2,16
